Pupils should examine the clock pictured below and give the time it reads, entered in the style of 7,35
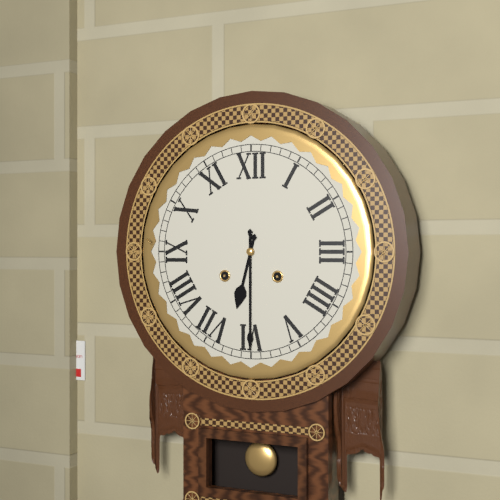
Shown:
6,30
